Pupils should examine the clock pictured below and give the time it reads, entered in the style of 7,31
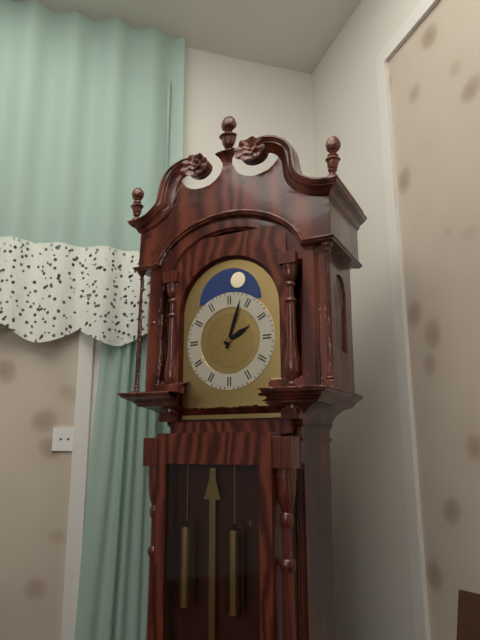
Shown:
2,03
